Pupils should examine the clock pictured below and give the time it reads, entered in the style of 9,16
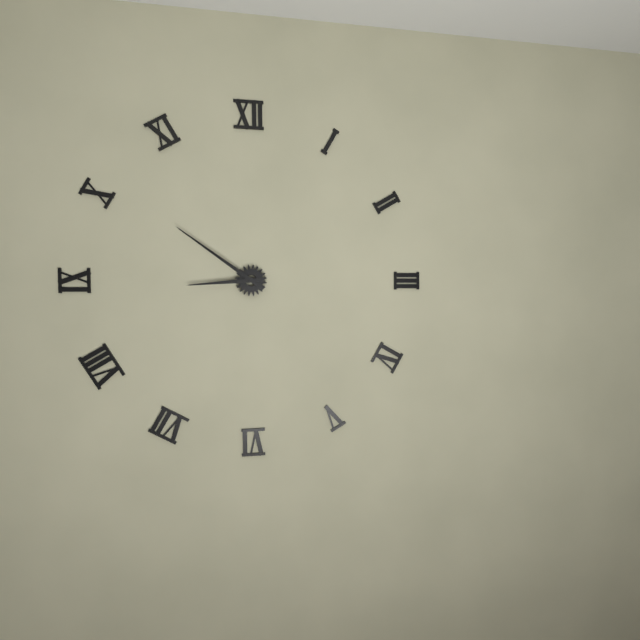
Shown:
8,51
